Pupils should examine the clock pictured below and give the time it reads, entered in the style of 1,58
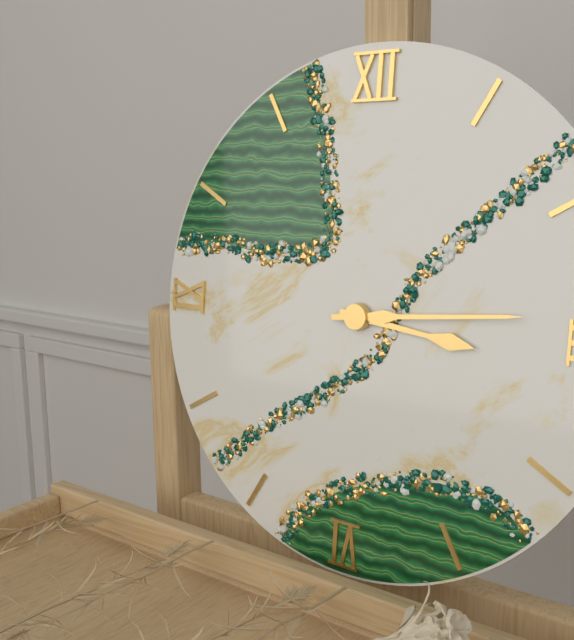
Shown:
3,14
